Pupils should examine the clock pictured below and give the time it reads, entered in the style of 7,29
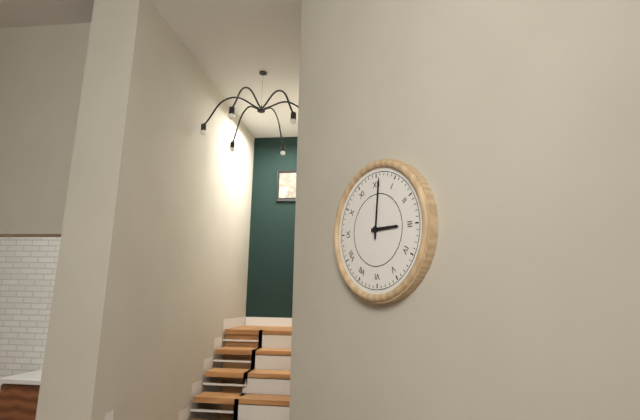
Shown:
3,01
